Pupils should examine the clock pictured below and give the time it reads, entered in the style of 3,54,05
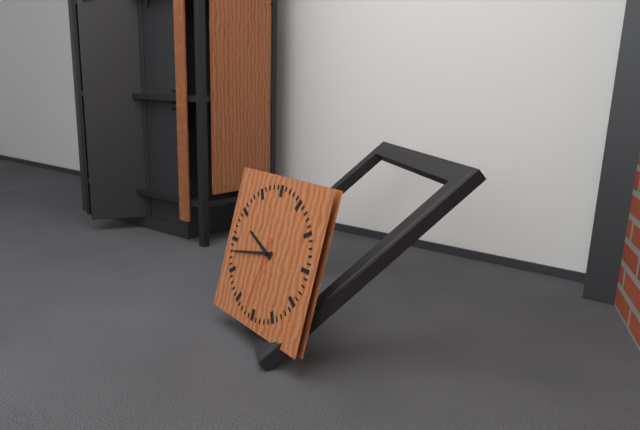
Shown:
9,43,32
